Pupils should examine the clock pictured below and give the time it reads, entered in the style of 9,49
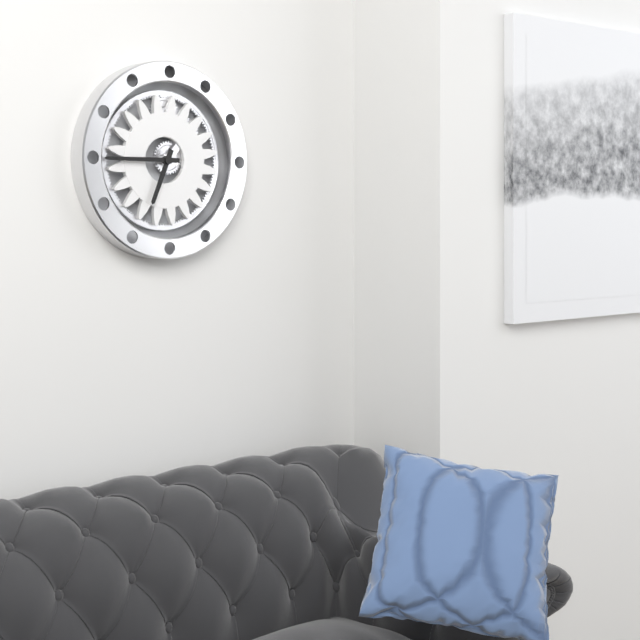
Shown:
6,45
